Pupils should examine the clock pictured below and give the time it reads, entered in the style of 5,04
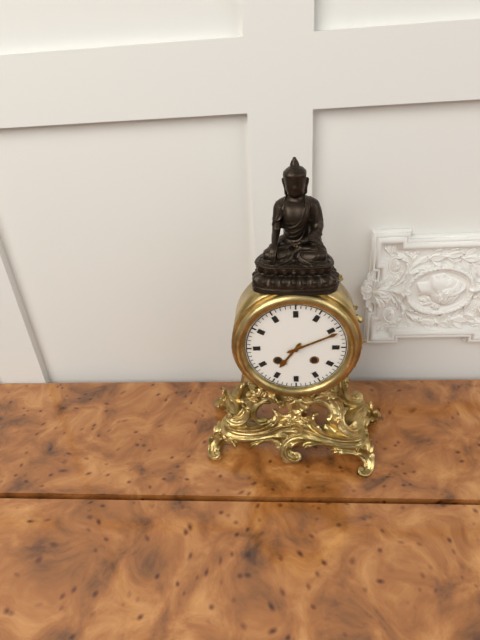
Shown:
7,11
